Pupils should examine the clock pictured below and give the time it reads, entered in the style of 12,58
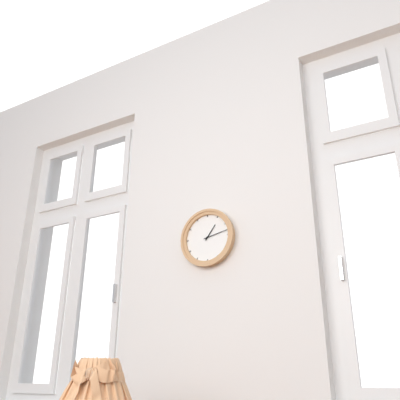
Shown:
1,13
